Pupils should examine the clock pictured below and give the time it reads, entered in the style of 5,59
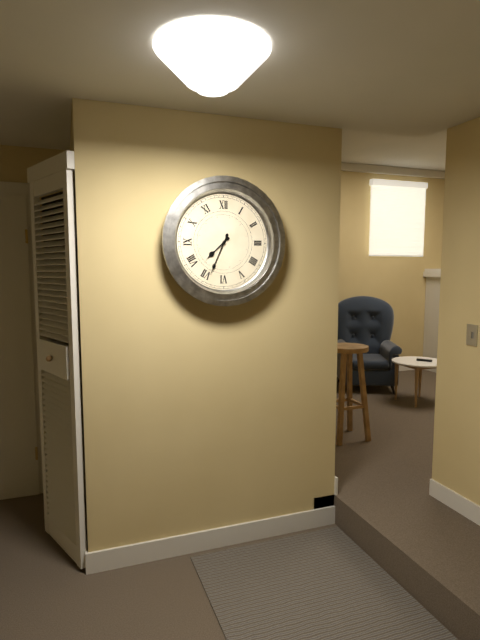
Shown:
7,34
